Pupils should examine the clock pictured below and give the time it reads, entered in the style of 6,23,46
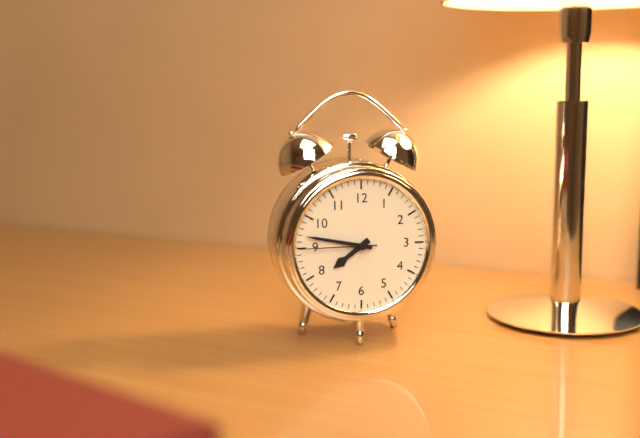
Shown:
7,47,45
